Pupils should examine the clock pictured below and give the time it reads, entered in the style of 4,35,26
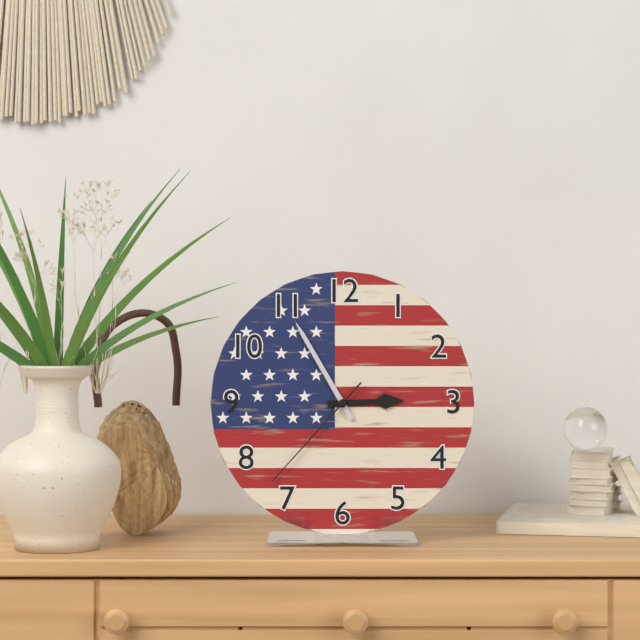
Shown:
2,55,37
